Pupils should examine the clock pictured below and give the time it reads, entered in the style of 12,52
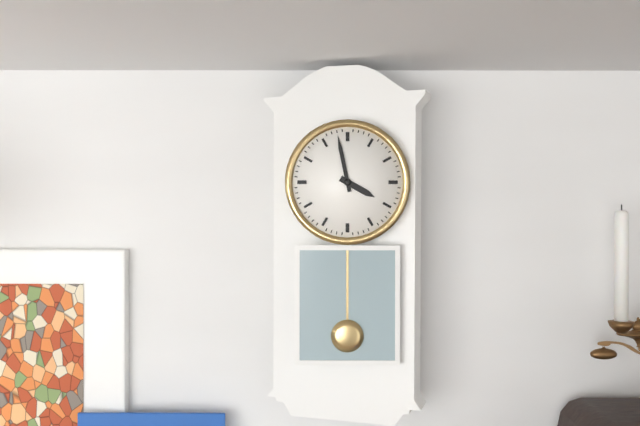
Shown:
3,58
